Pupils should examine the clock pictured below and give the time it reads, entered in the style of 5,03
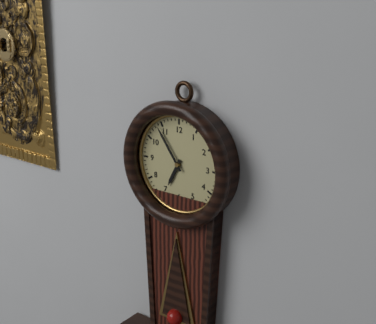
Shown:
6,54
